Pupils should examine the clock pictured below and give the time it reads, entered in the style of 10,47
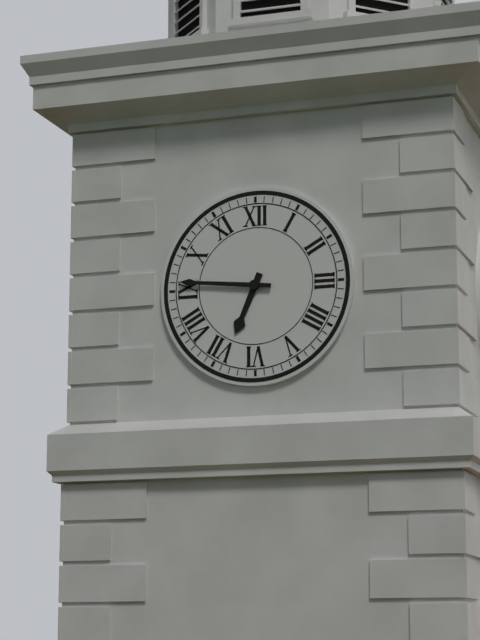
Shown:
6,46
